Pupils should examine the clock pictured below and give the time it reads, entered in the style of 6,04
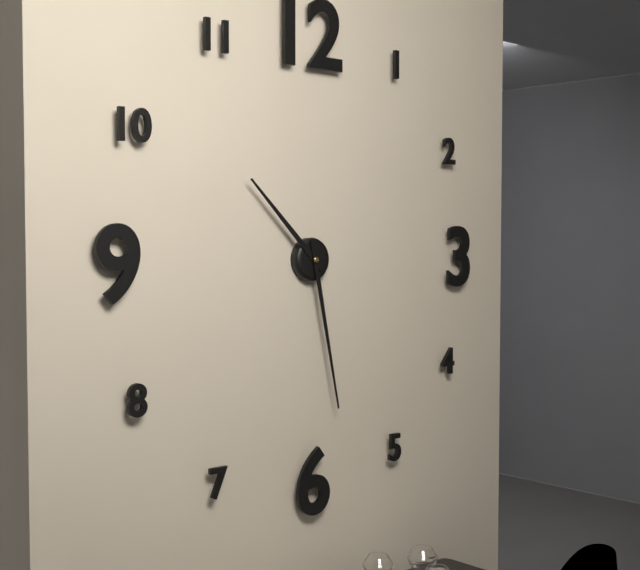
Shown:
10,28
